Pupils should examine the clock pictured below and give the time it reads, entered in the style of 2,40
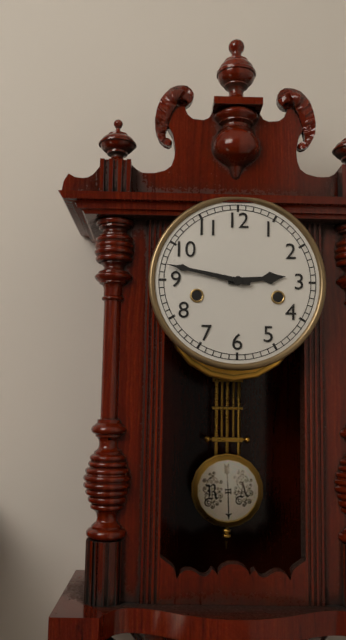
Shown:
2,47
